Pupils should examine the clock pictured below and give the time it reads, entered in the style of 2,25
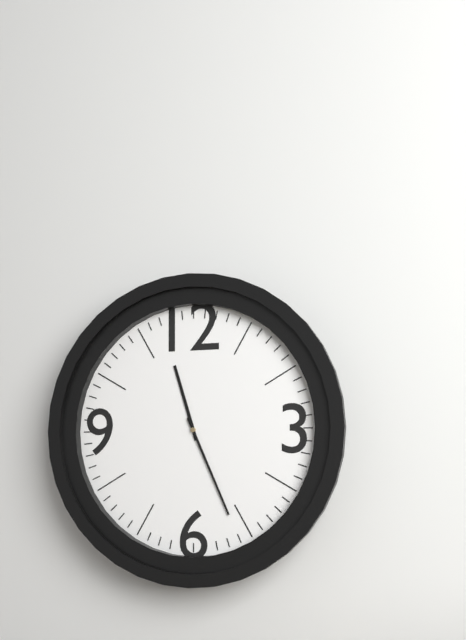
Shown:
11,26
